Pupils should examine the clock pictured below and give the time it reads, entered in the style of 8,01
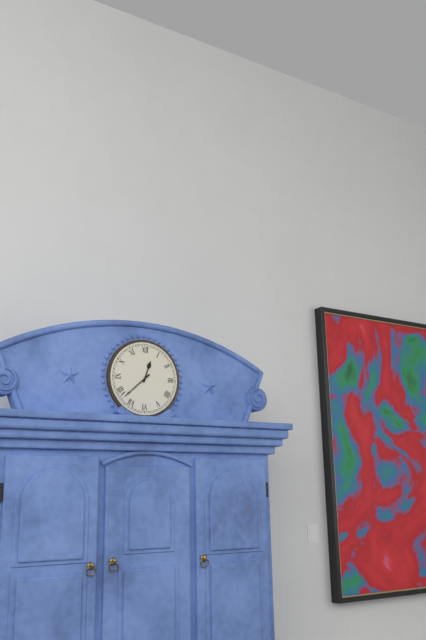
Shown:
12,38
